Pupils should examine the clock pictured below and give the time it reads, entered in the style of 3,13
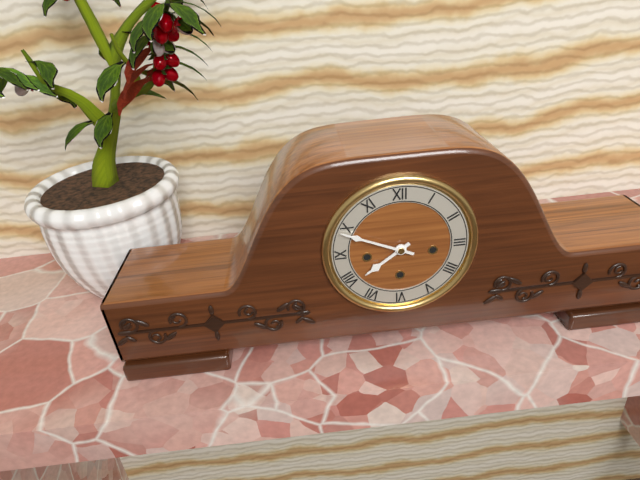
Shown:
7,49
